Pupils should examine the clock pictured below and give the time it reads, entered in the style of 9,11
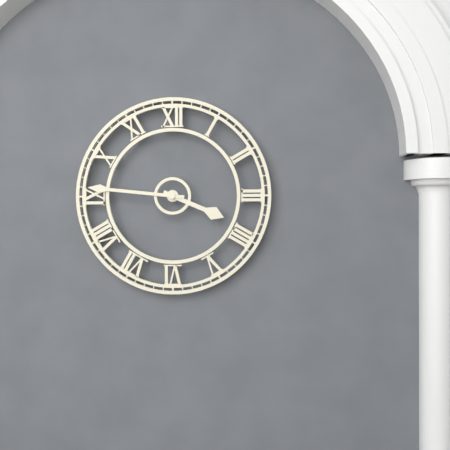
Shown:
3,46
